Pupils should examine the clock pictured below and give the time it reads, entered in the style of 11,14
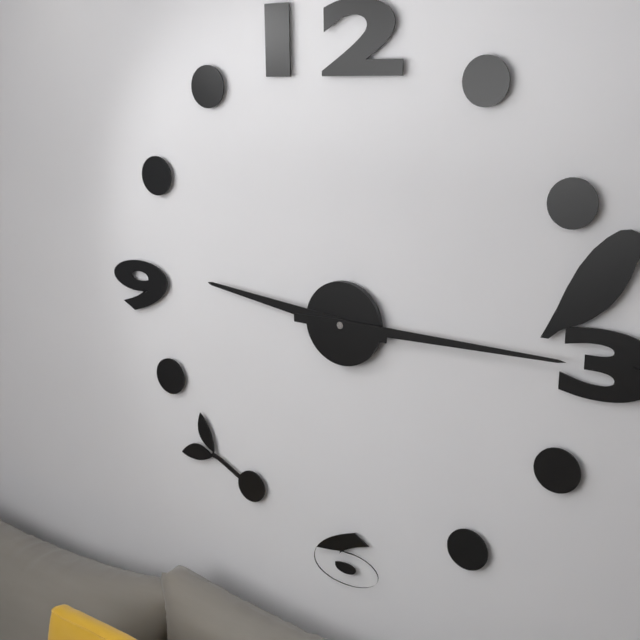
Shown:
9,15
